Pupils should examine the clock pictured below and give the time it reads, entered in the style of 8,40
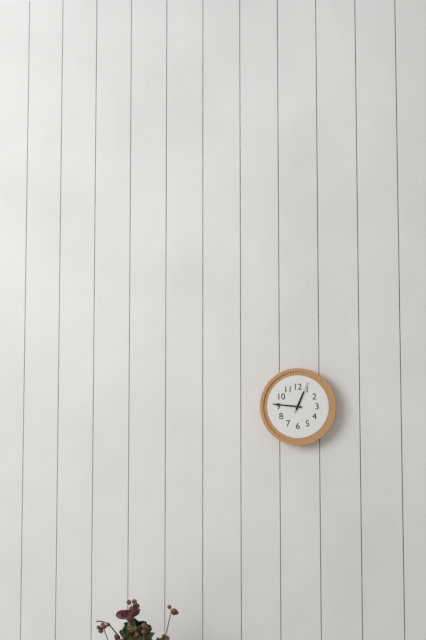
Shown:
12,46
